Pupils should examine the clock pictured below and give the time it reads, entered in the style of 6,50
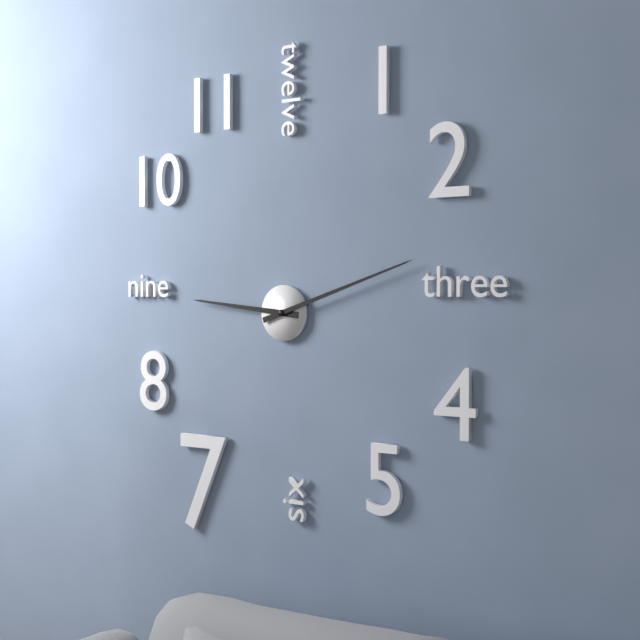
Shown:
9,12
